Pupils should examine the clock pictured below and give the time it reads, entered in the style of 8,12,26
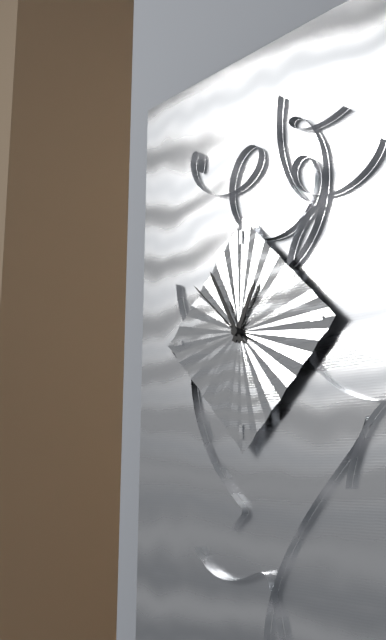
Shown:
12,55,52
